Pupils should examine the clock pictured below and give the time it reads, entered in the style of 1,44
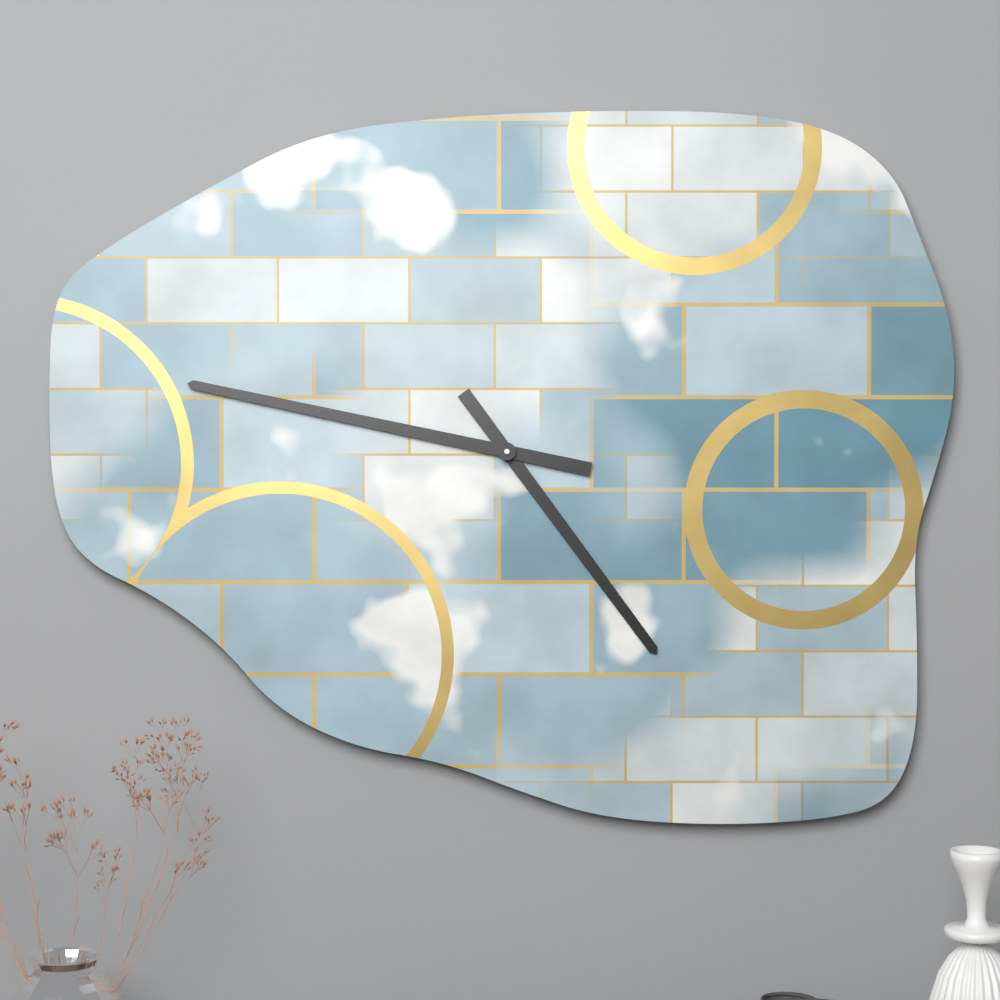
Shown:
4,47
